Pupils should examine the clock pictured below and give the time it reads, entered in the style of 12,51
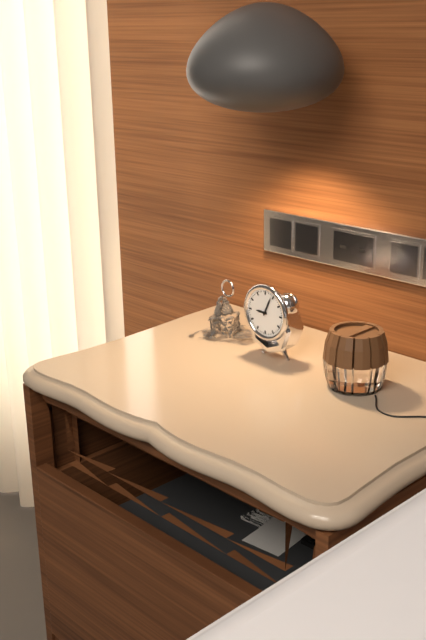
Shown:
9,04
